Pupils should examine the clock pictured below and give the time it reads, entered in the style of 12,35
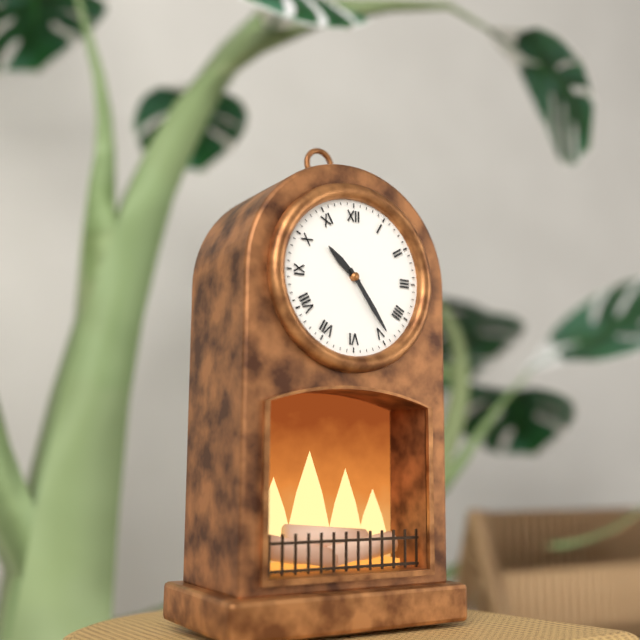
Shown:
10,24
